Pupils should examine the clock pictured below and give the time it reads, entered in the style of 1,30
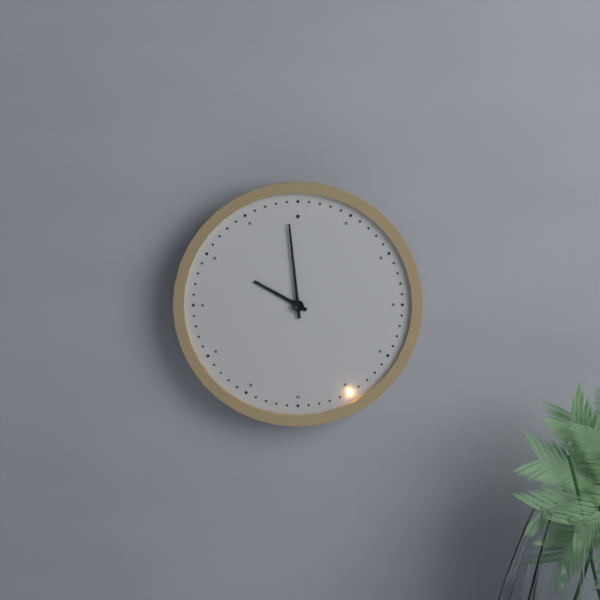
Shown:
9,59
